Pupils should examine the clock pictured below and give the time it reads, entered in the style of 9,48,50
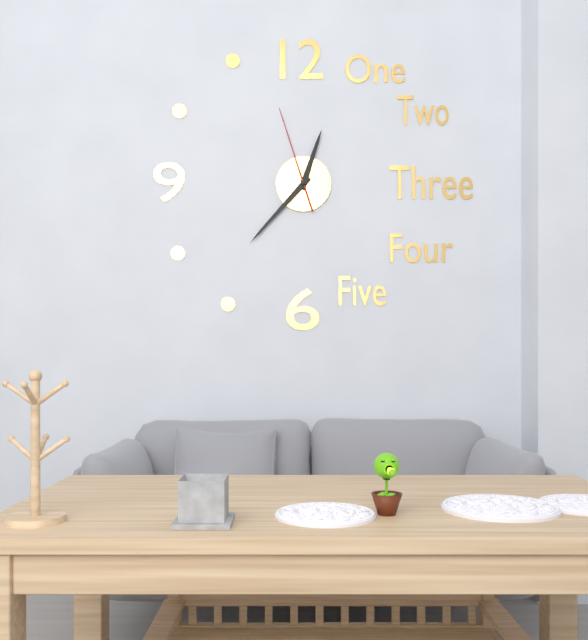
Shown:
12,37,57
